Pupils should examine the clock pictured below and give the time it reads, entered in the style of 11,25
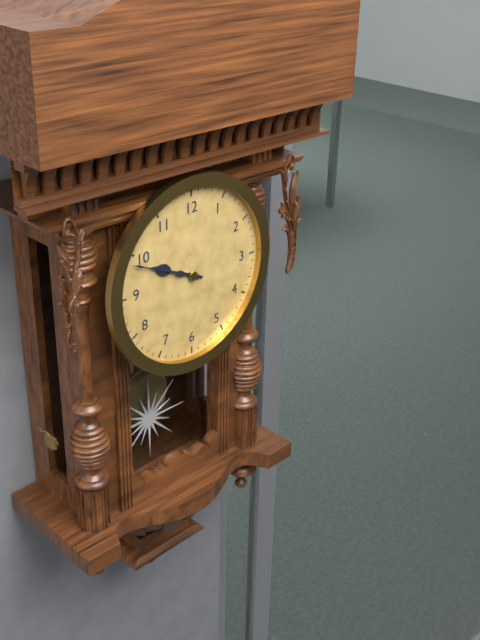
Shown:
9,49
